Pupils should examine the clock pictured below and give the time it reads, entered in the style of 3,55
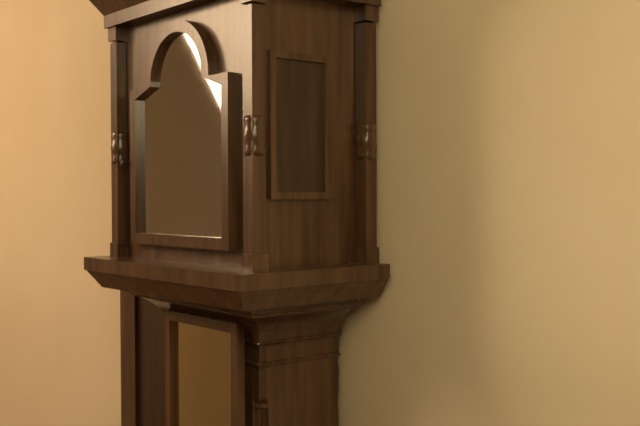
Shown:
7,45
